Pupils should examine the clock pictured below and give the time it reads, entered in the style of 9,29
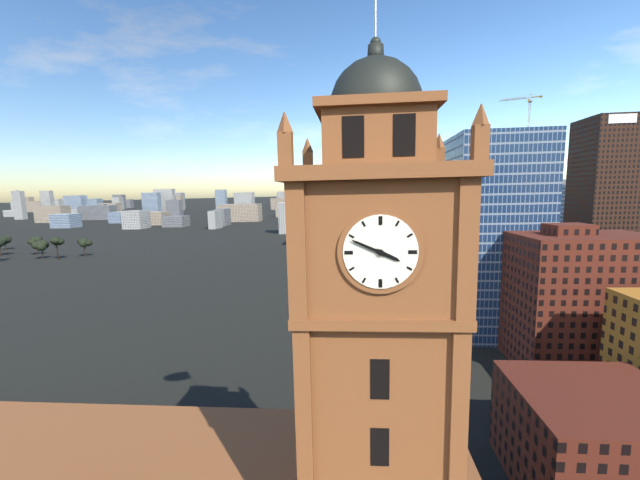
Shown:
3,49
